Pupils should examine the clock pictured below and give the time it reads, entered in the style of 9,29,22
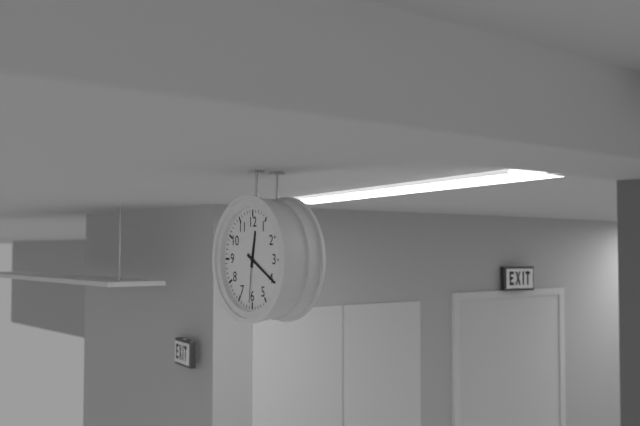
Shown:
12,20,31
